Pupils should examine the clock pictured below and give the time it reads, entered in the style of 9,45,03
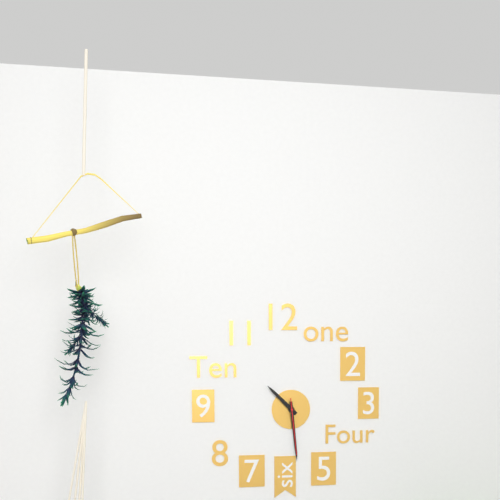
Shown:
10,29,29
